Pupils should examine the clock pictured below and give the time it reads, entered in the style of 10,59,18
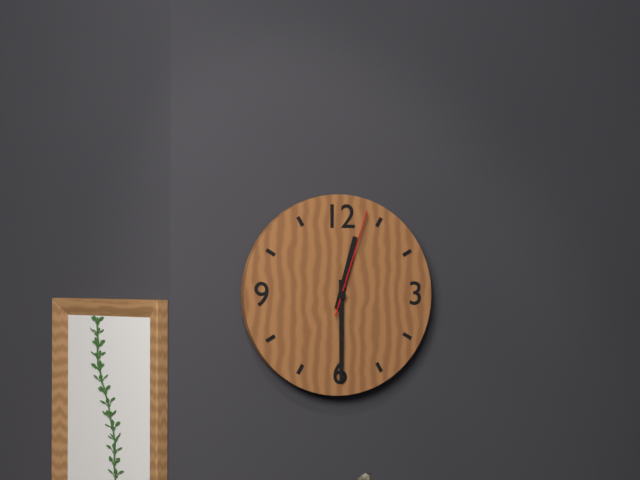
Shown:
12,30,03
